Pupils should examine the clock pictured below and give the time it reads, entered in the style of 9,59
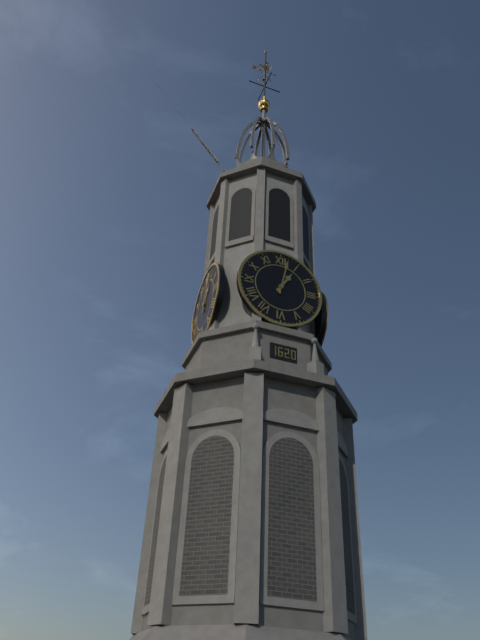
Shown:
1,02
